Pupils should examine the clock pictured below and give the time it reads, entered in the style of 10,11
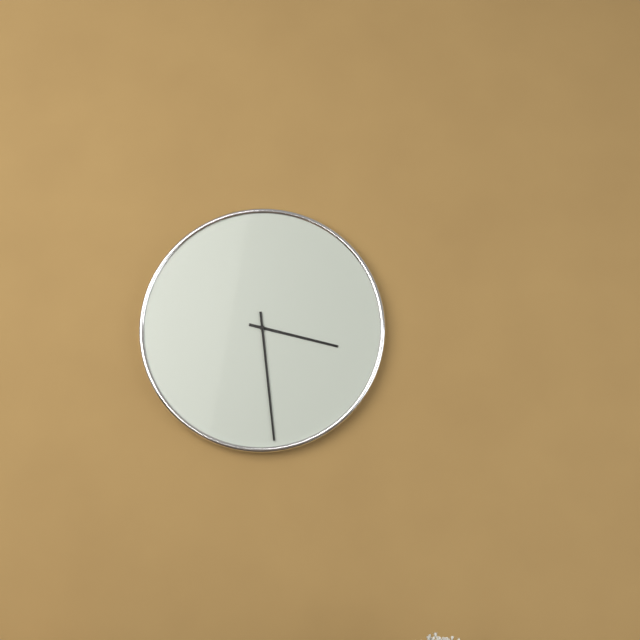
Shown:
3,29
